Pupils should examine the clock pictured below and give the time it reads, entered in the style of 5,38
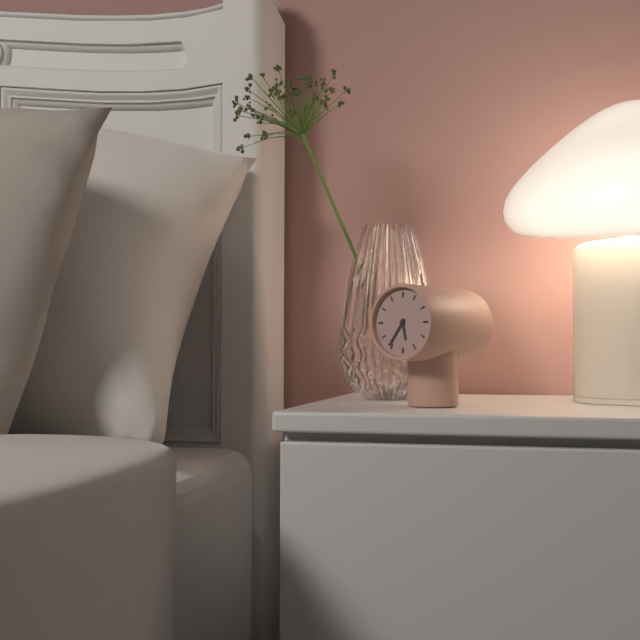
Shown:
5,36
